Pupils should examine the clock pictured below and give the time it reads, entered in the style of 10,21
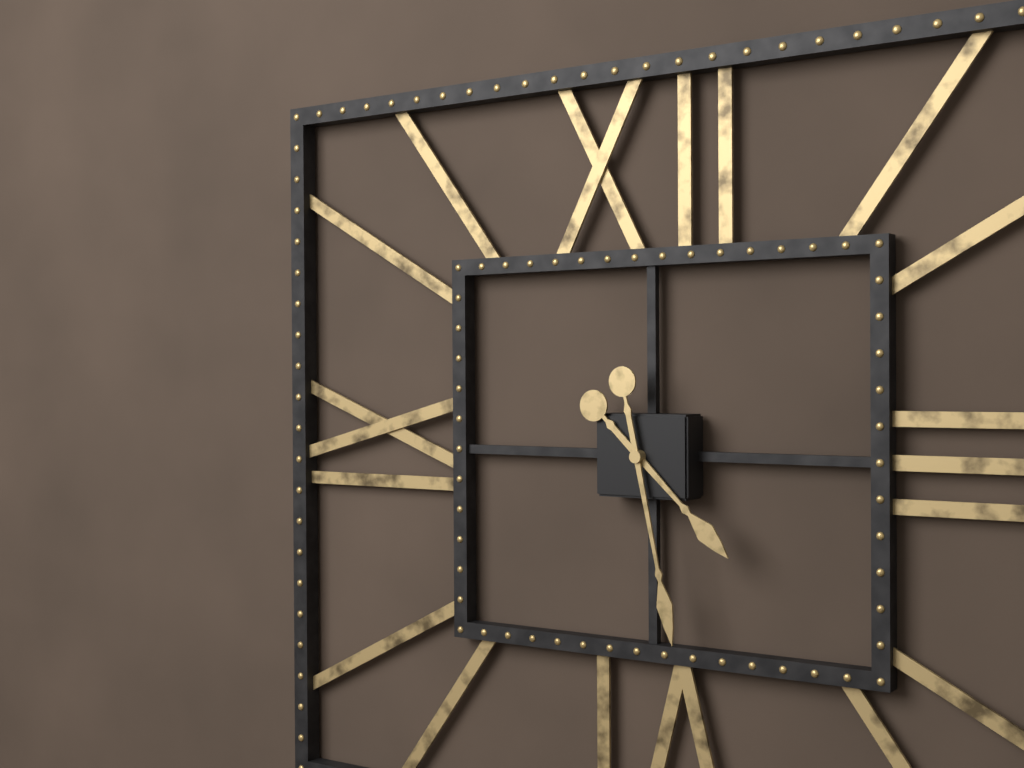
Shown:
4,28
